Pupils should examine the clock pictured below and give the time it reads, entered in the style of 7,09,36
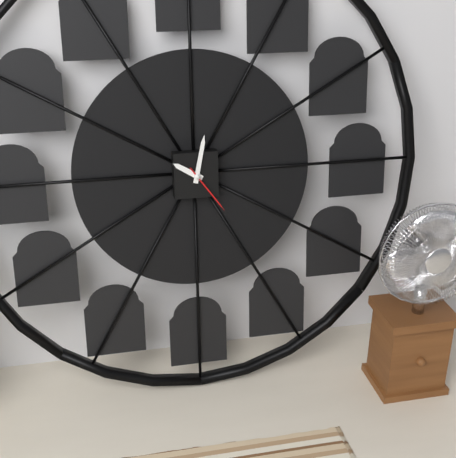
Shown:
10,02,24
